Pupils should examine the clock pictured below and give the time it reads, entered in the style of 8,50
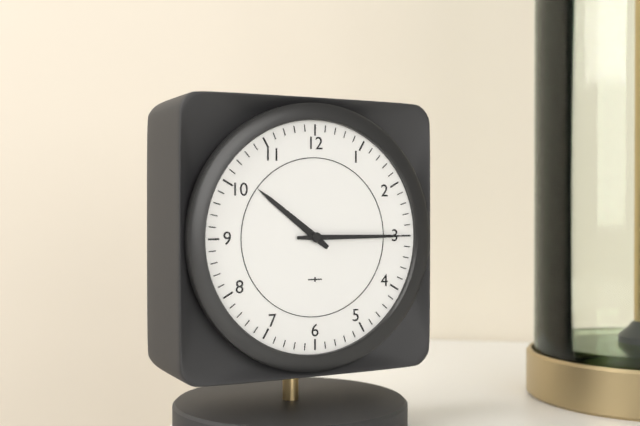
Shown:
10,15
